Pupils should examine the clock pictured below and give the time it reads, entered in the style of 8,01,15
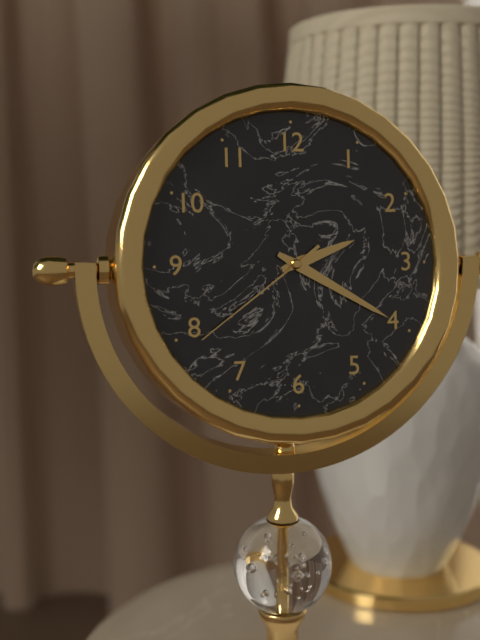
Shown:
2,20,39
